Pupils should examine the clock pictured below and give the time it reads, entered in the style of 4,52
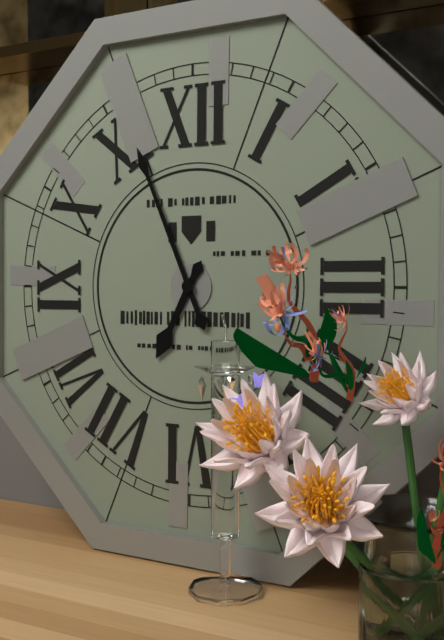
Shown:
6,56
